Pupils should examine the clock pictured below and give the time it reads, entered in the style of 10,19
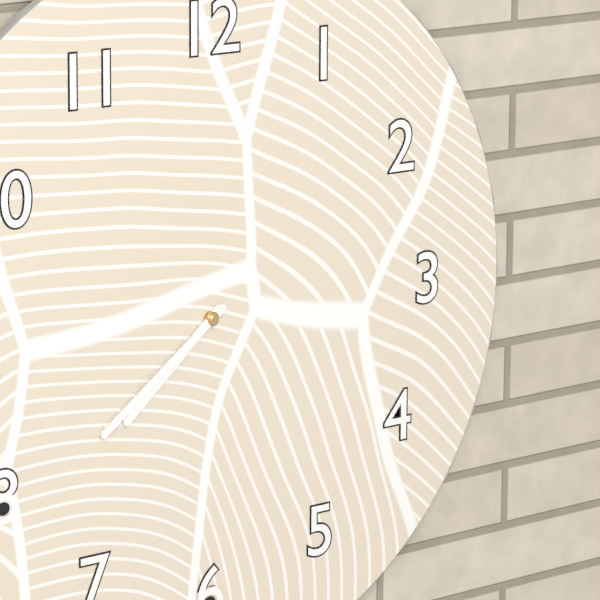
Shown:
7,39
